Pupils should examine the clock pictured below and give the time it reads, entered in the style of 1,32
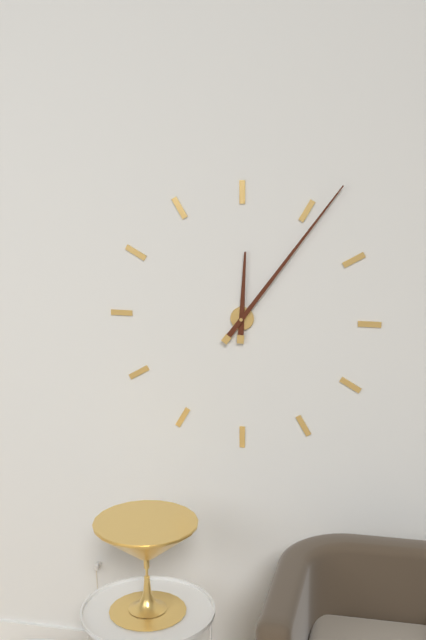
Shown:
12,06
